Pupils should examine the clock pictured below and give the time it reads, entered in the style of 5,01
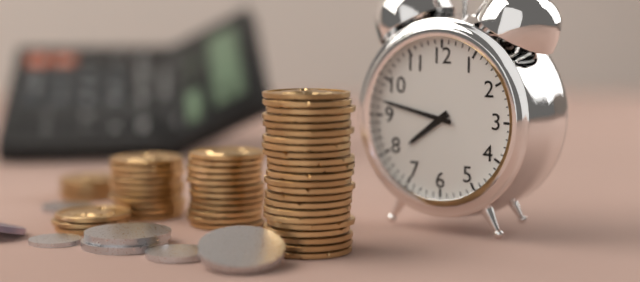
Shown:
7,47
